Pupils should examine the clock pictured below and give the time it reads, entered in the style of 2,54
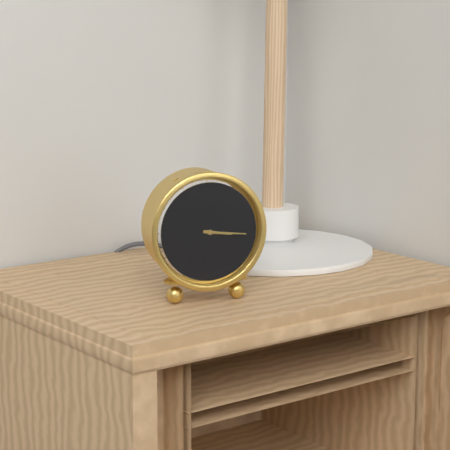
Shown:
3,16
